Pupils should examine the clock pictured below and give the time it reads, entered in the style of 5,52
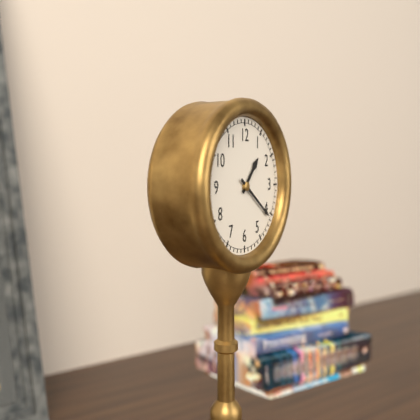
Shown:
1,21
